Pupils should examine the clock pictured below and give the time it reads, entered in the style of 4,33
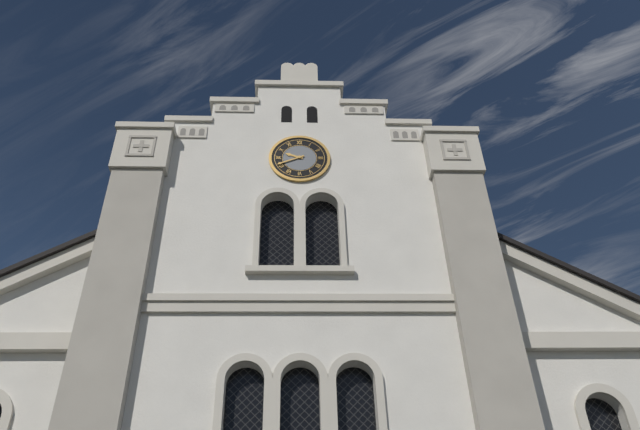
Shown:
9,41
